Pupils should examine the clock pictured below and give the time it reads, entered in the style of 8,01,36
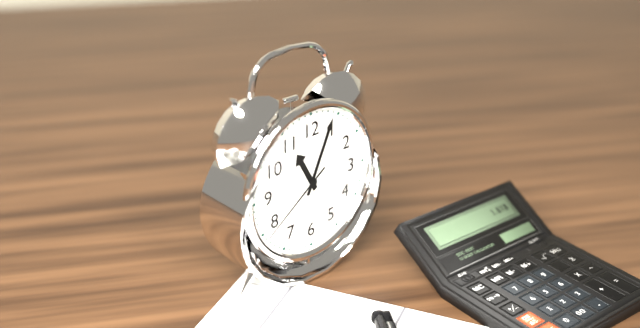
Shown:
11,04,39
